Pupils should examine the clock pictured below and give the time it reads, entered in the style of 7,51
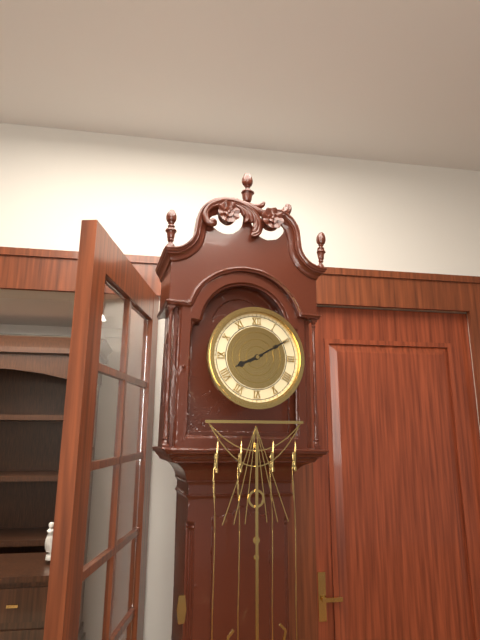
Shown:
8,10
